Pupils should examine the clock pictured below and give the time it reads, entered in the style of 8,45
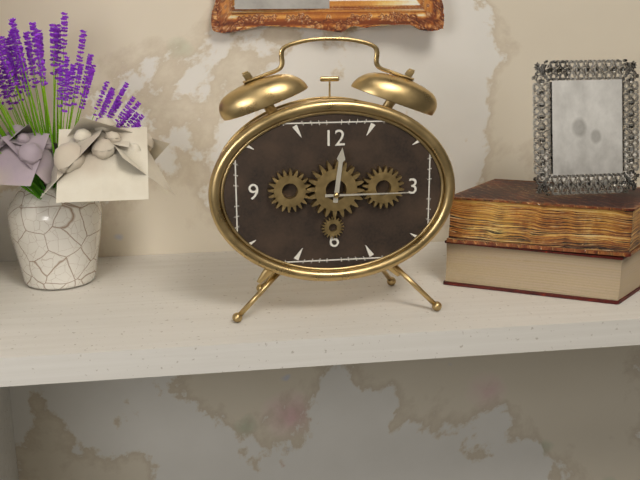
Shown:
12,15
